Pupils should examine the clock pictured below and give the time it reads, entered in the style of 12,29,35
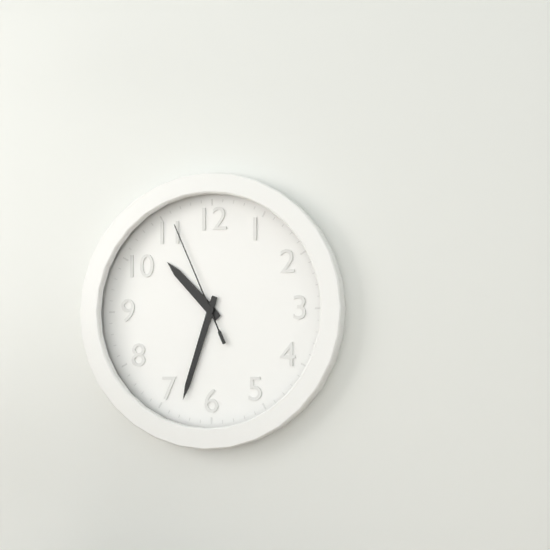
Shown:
10,33,56
